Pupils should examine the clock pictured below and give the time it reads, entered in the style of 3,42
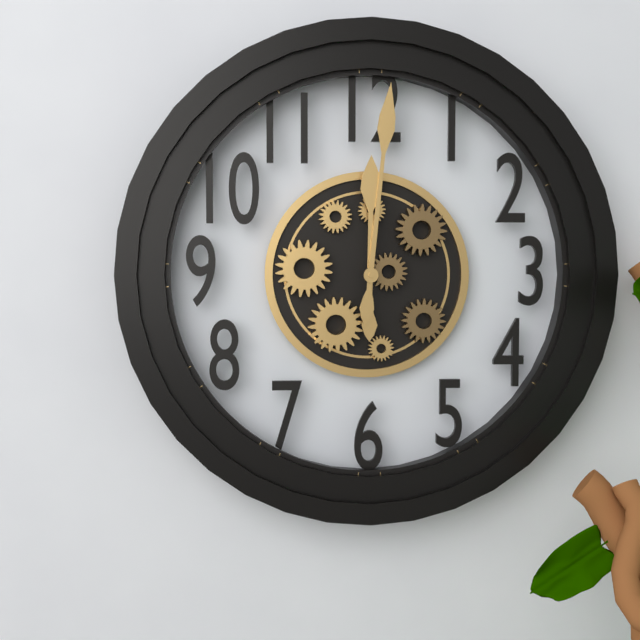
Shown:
12,01
